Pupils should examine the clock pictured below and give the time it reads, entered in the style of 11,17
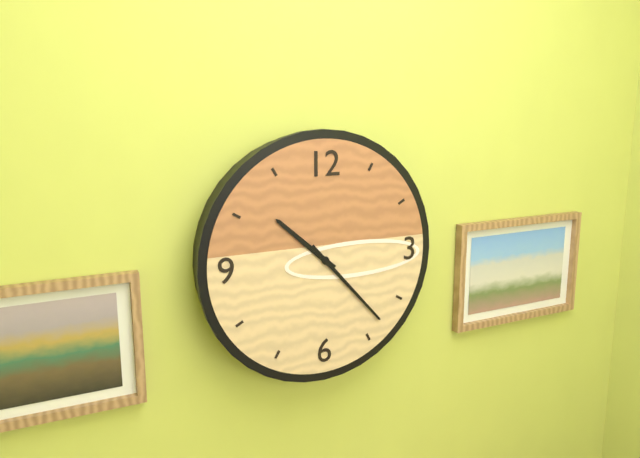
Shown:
10,23
